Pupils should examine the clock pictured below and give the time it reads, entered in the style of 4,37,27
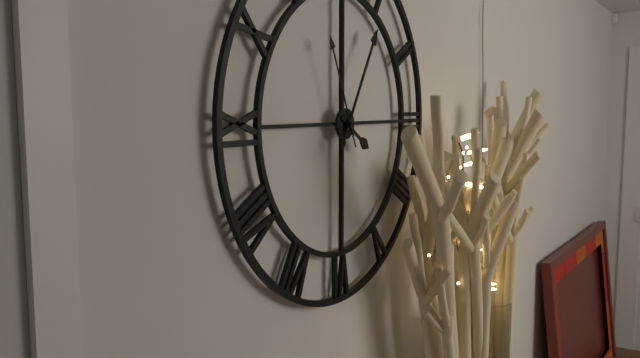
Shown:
4,05,56
